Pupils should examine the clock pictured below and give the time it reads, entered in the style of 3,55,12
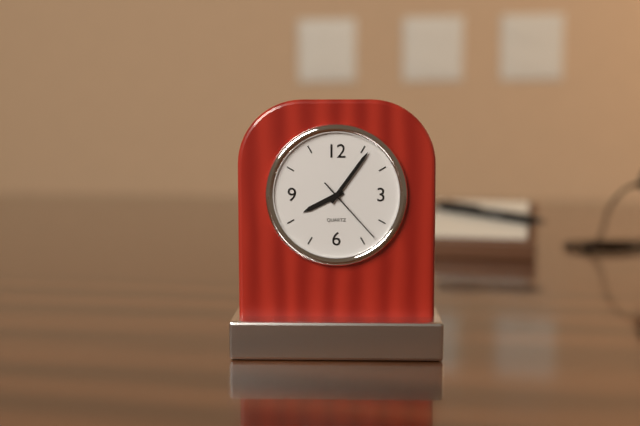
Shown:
8,06,23
